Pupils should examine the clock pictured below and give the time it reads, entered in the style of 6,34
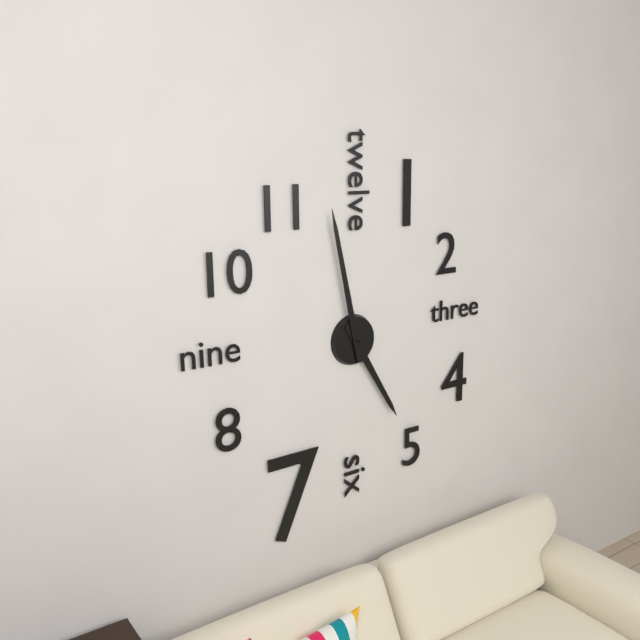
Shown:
4,58
